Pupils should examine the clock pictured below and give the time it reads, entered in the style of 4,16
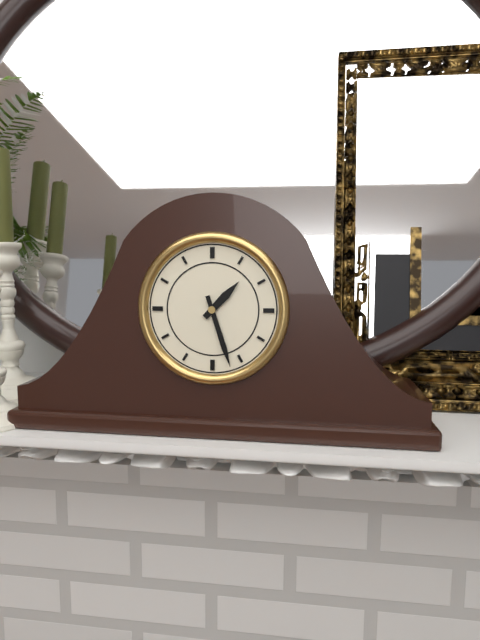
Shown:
1,27
